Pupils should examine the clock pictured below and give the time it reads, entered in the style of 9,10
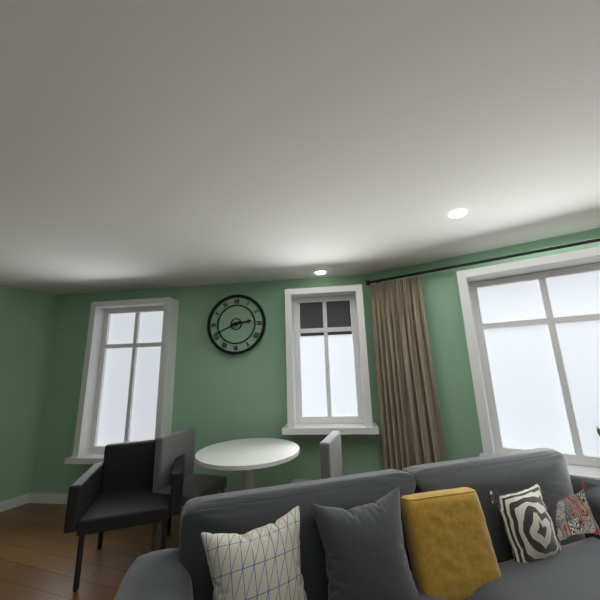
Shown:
2,41
